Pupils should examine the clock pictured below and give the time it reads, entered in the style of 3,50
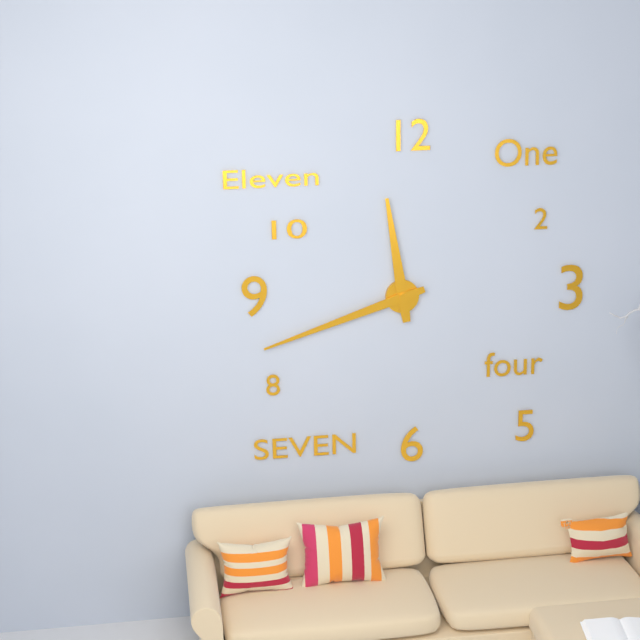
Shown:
11,42
